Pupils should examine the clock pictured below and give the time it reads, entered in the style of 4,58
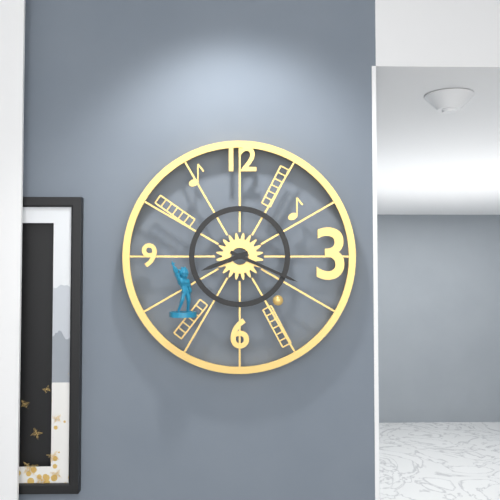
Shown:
8,19
